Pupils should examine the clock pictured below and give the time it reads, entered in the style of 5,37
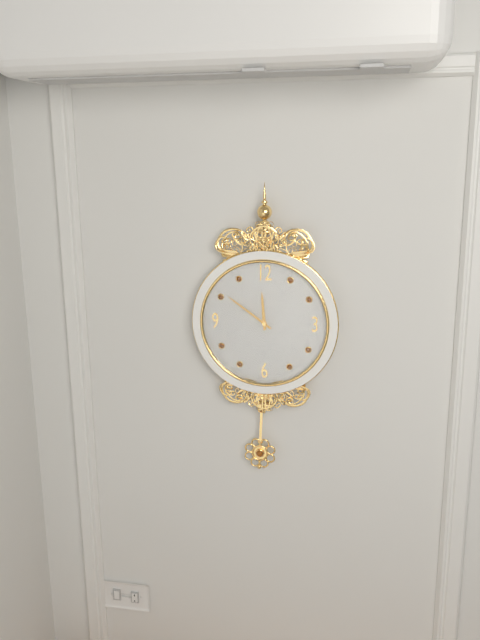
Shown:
11,51
